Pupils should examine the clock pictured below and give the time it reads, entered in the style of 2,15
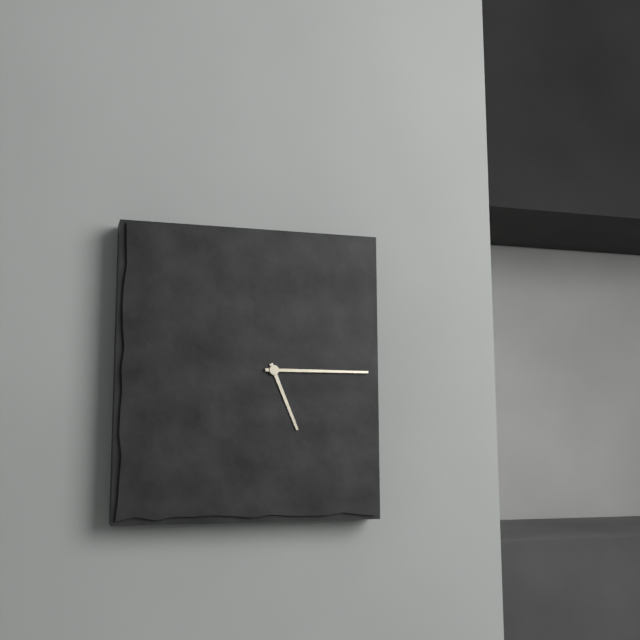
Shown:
5,15
